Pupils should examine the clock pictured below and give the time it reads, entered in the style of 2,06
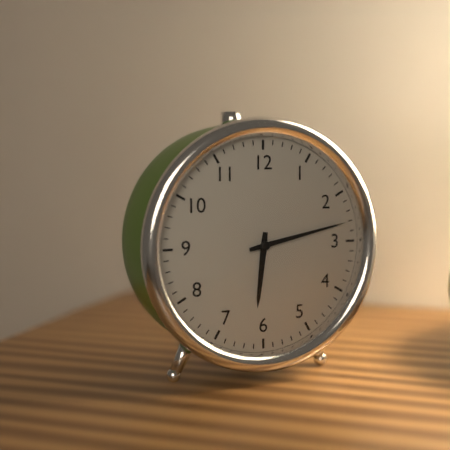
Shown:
6,13
